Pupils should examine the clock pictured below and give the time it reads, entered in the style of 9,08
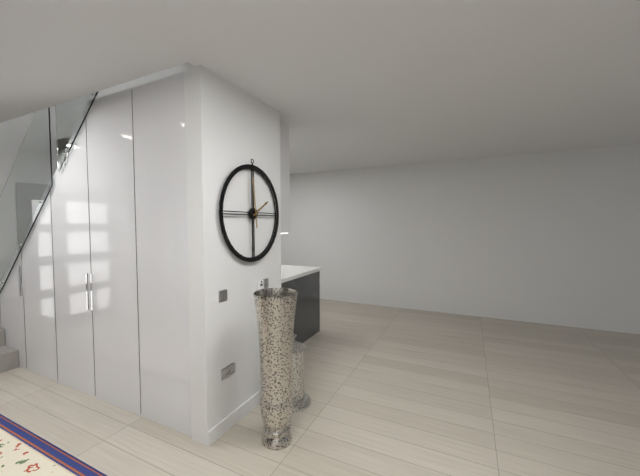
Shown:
1,59
